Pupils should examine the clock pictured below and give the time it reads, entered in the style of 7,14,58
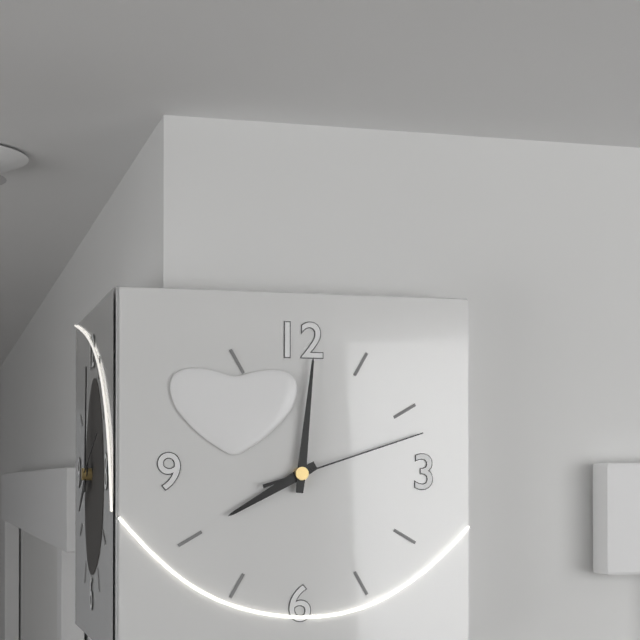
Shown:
8,01,12
